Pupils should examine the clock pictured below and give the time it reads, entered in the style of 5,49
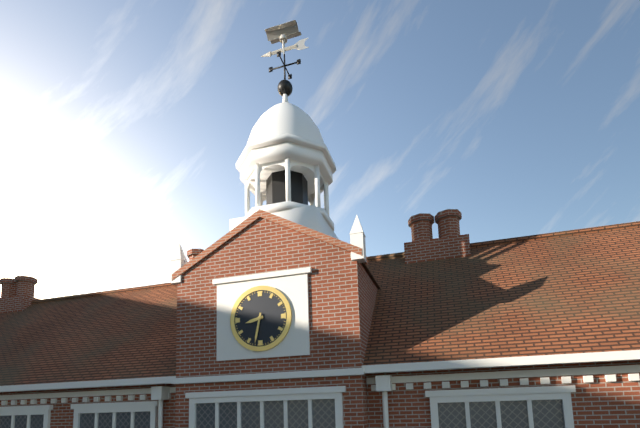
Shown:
8,32
